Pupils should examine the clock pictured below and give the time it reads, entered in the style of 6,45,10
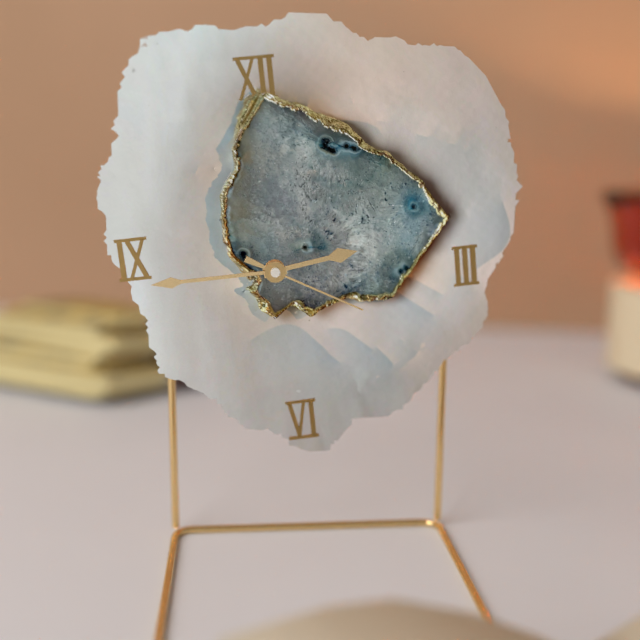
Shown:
2,45,20
